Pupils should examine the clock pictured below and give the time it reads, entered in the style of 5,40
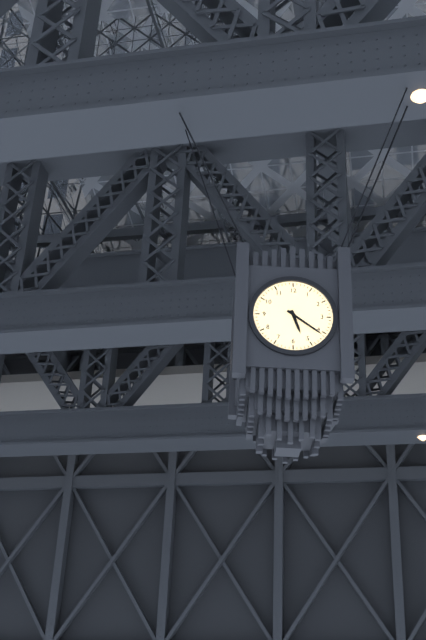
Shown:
5,21
